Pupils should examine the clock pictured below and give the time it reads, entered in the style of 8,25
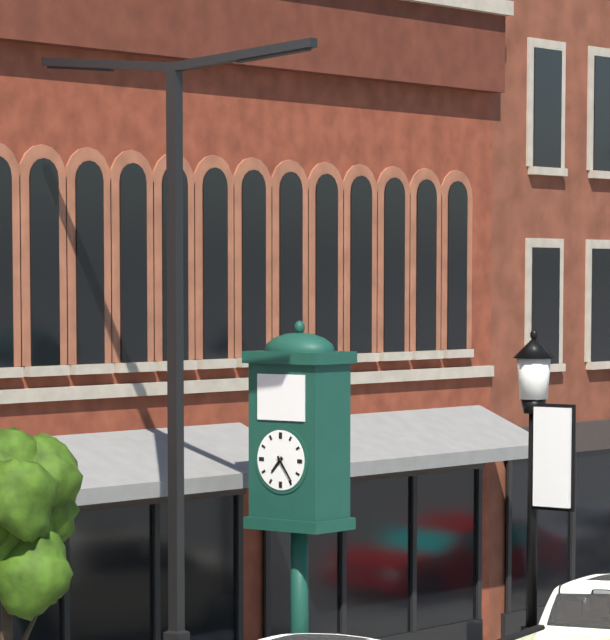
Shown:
7,24
